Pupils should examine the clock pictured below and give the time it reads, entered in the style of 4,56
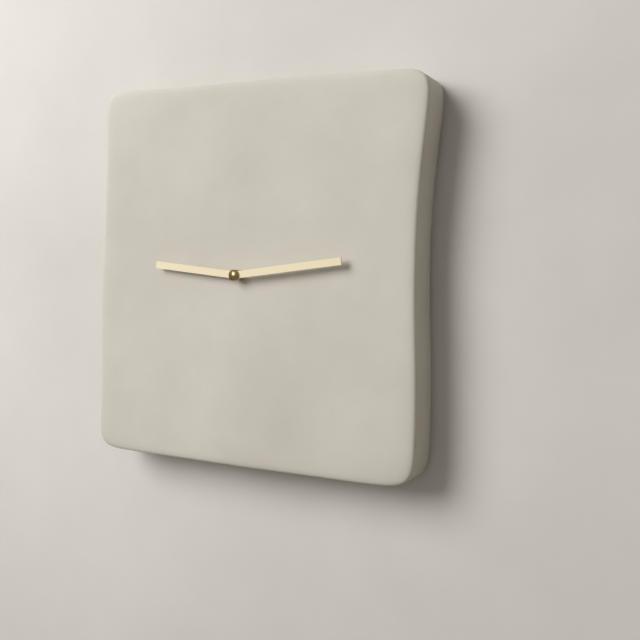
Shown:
9,14
